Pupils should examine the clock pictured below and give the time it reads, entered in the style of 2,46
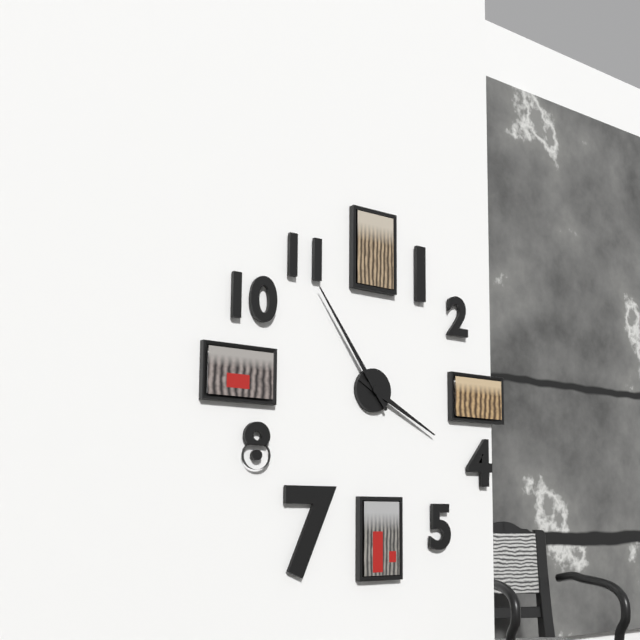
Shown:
3,54
